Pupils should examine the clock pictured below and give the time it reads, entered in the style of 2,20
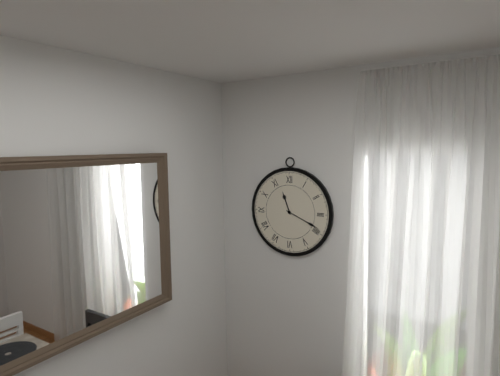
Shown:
11,19
